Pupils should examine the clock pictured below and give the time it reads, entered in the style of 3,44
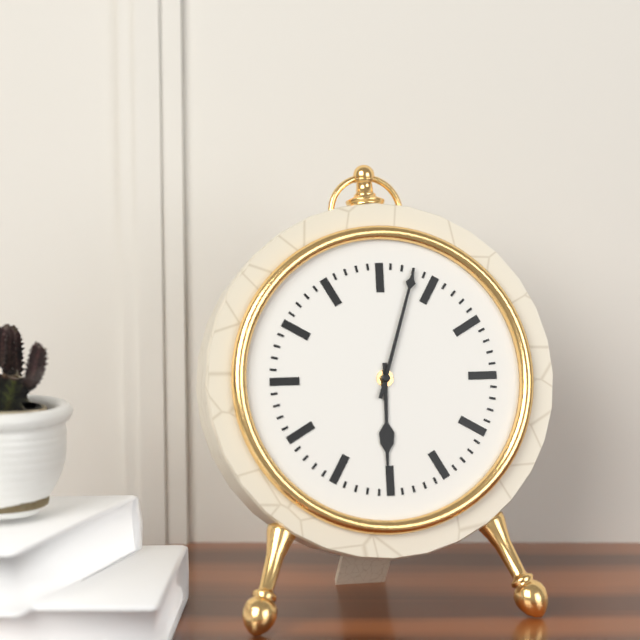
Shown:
6,03
